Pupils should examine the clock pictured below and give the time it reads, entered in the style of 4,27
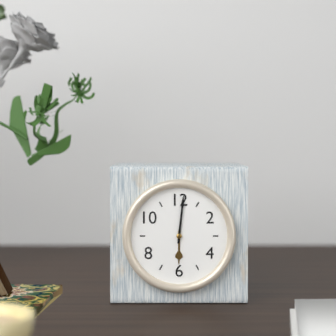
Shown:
6,01
